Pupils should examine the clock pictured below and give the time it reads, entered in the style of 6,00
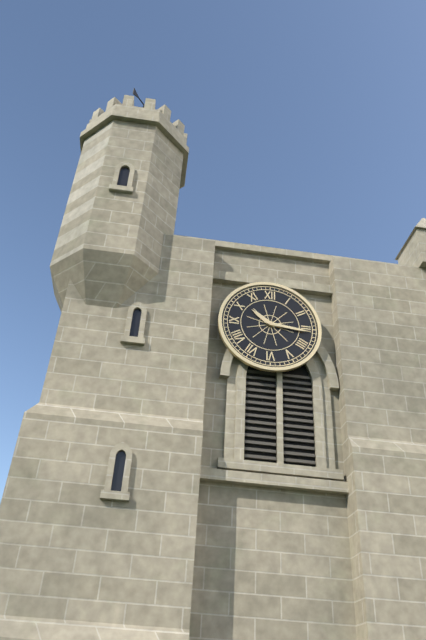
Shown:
10,16
